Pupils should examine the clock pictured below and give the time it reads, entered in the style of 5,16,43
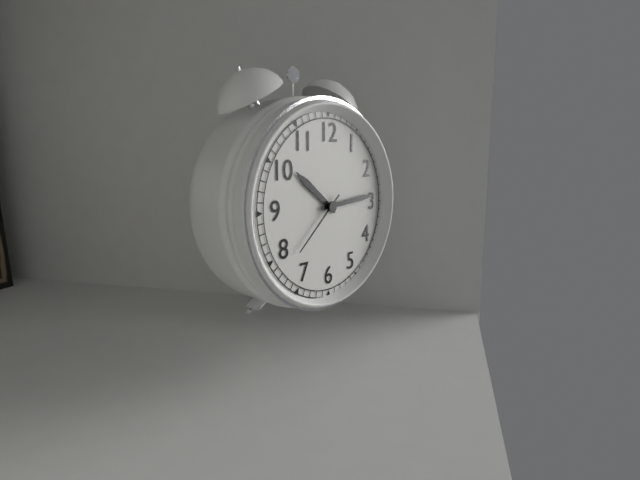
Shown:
10,14,38
